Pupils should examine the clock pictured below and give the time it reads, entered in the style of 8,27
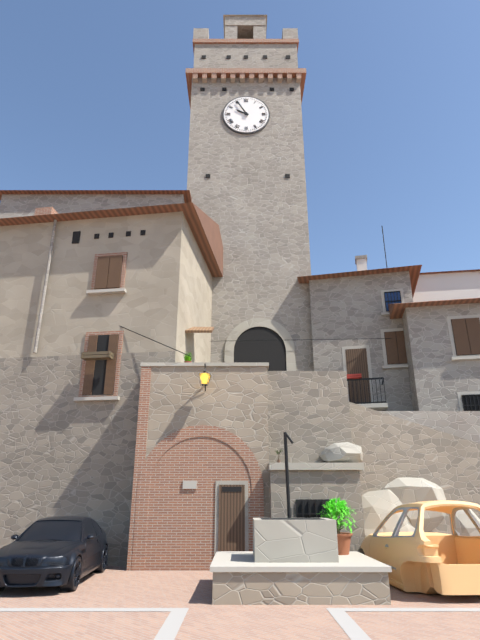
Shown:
9,55
